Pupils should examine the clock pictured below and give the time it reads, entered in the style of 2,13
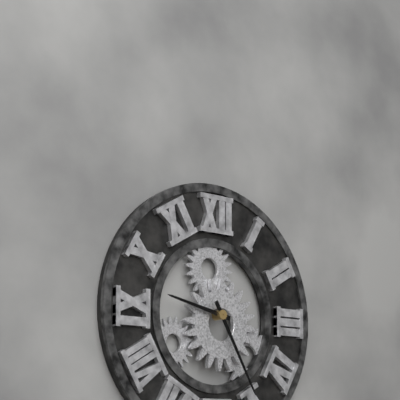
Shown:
9,25
